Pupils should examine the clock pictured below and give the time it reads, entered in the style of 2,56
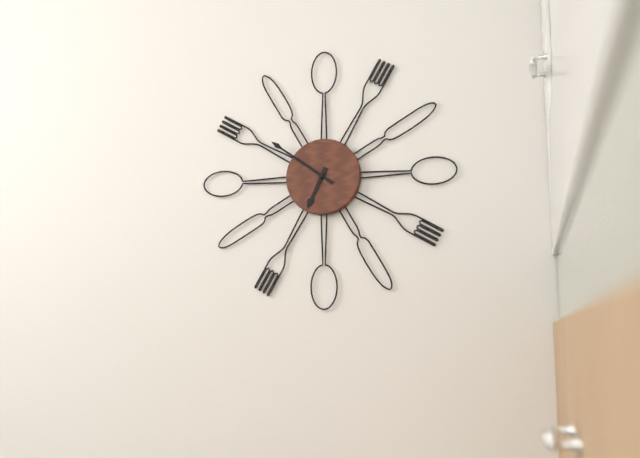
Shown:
6,51
